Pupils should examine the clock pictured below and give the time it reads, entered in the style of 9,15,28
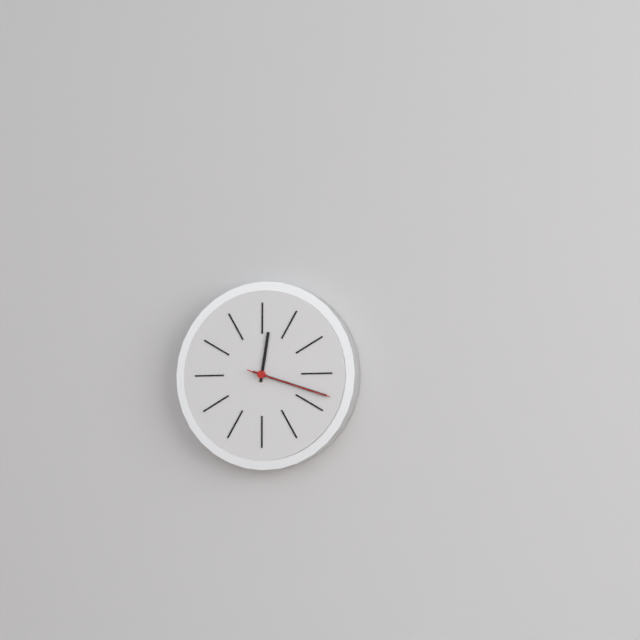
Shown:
12,18,18
